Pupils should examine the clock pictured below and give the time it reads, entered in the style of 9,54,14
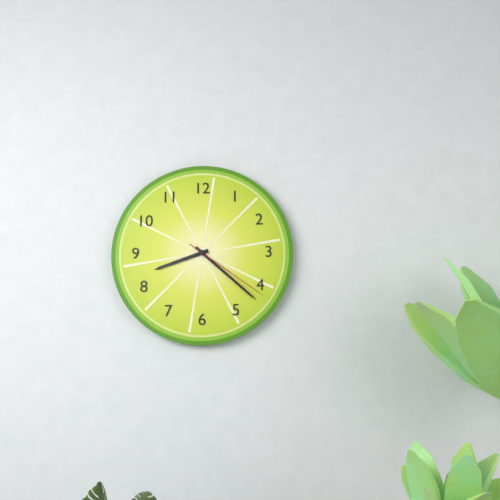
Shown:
8,22,21
